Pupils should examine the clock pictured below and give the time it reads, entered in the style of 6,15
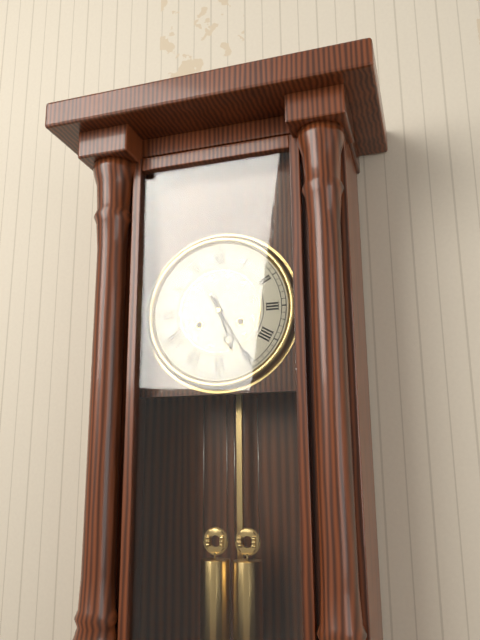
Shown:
5,25
